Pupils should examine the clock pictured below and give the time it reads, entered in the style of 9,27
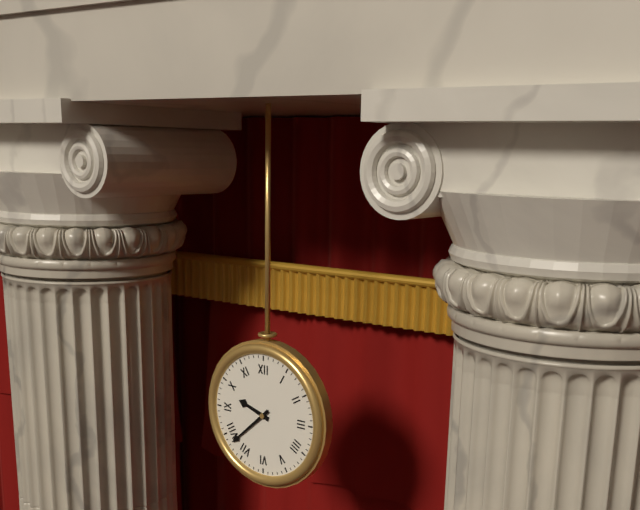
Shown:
9,38
